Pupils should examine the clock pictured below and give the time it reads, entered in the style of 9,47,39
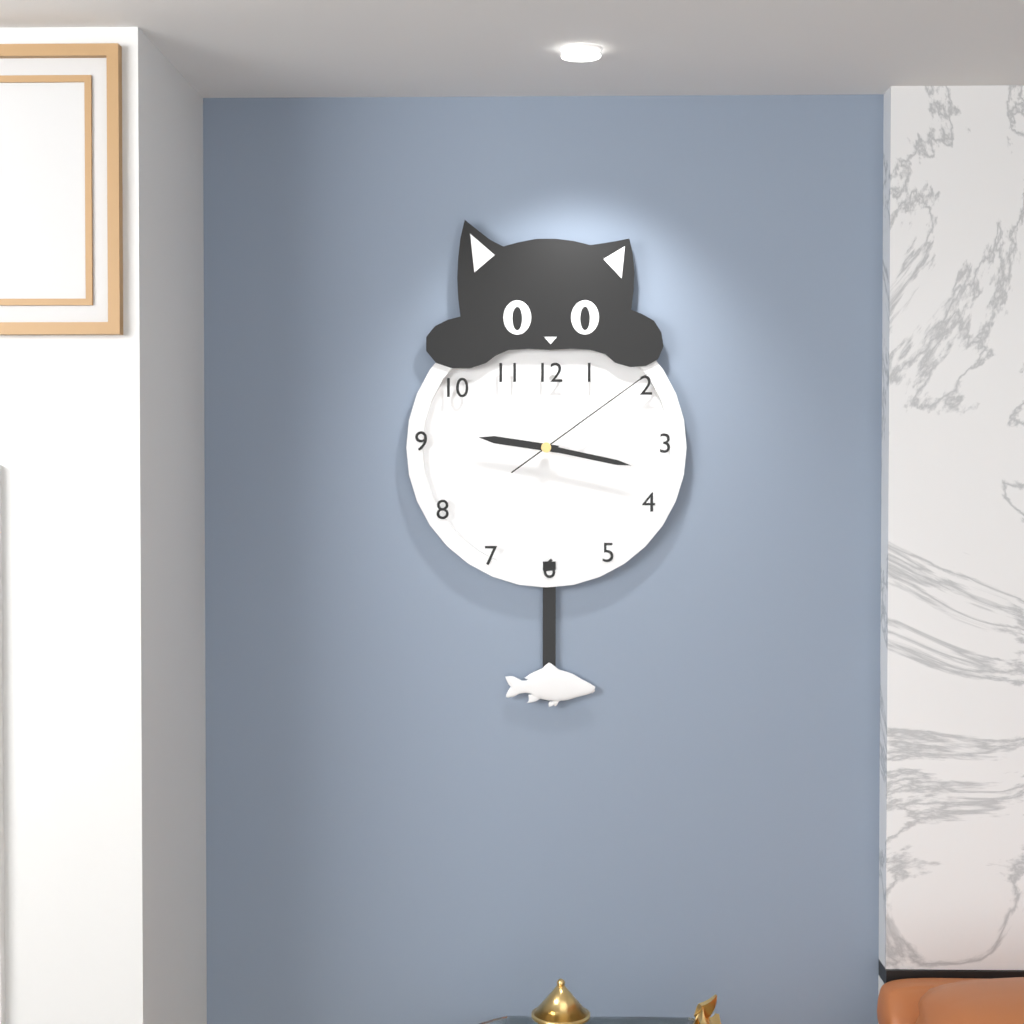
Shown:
9,17,09
